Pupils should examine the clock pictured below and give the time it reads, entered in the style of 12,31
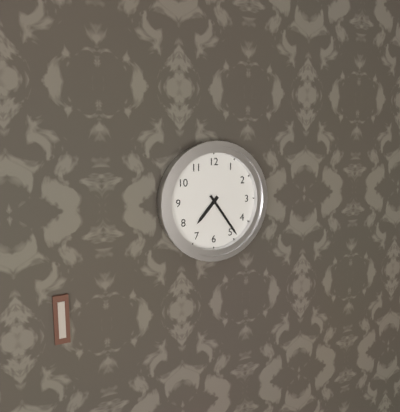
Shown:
7,24
